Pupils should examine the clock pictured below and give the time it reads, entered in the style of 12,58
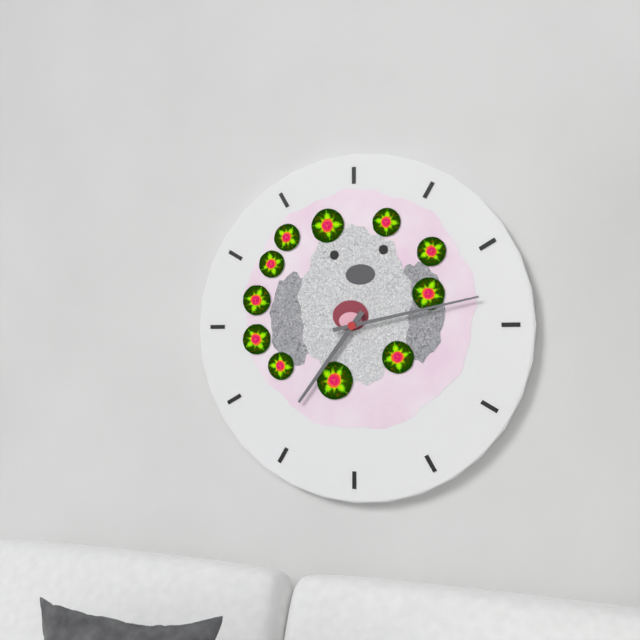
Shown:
7,13
